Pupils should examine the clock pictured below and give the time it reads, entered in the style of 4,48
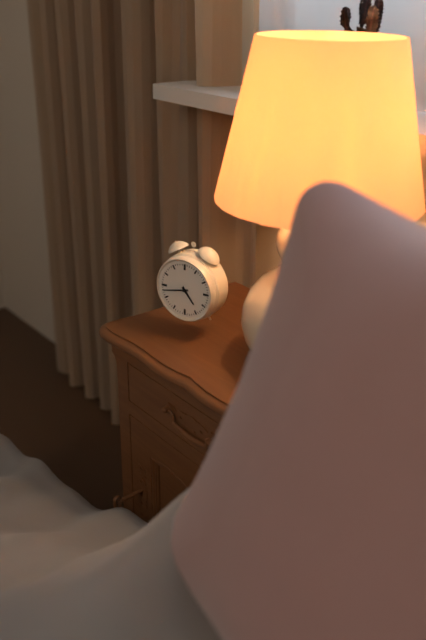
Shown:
4,43
